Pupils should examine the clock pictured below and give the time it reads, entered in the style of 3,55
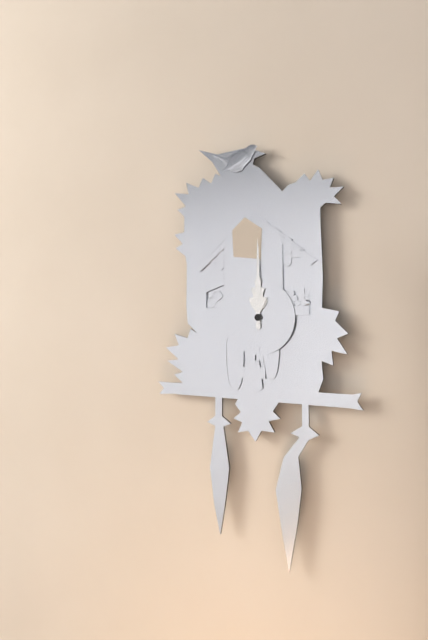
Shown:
12,00
